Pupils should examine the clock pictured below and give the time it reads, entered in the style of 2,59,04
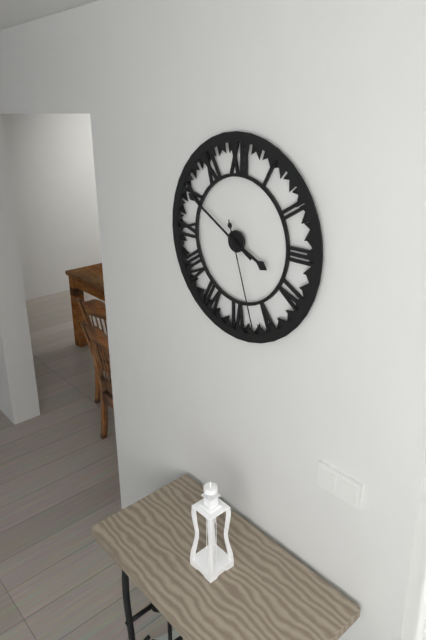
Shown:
3,50,27
